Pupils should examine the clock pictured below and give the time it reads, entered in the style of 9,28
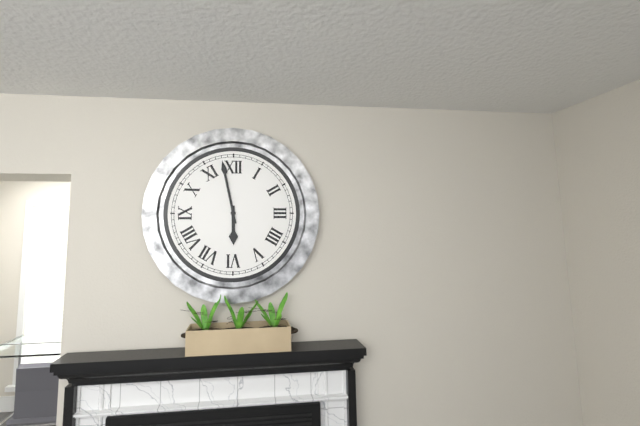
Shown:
5,58
